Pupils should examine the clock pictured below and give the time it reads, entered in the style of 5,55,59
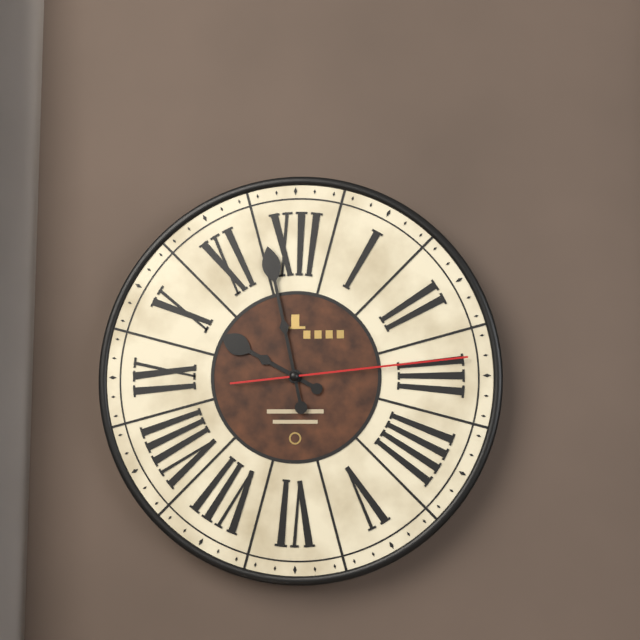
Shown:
9,58,14
